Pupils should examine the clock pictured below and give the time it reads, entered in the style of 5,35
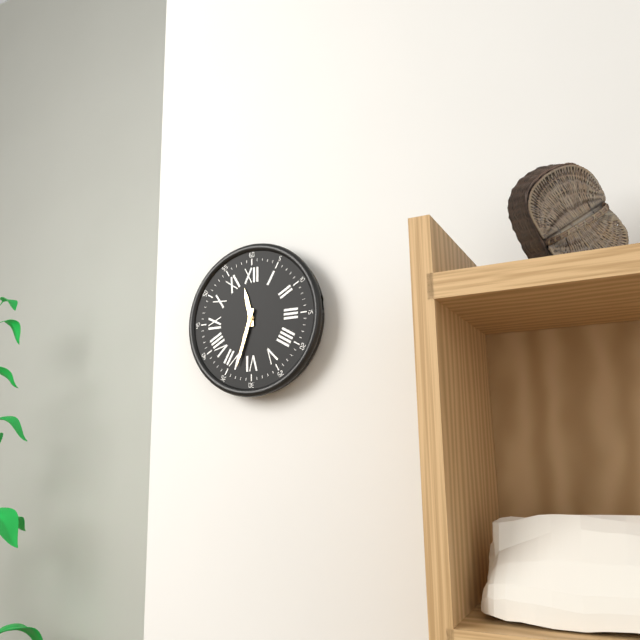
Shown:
11,33
